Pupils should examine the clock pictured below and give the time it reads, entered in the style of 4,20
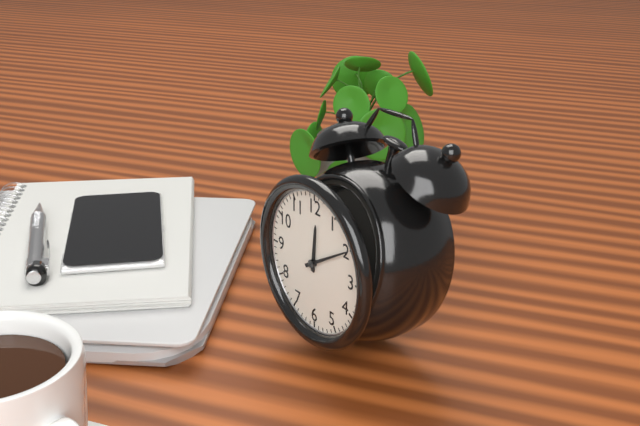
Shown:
12,10
